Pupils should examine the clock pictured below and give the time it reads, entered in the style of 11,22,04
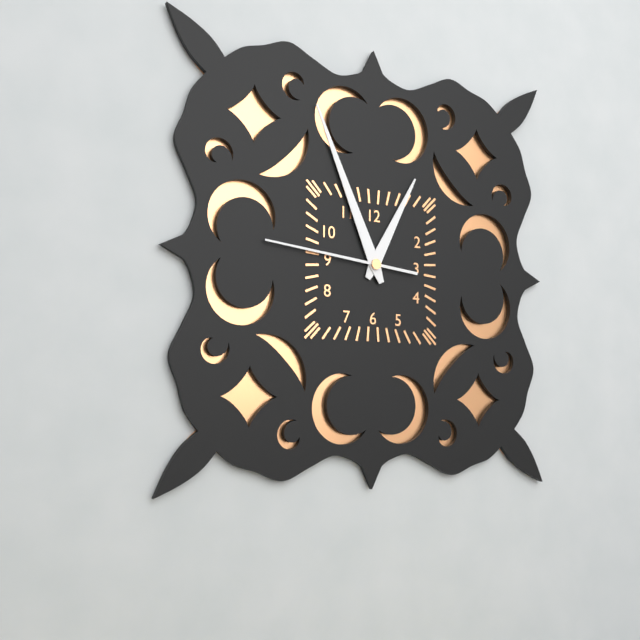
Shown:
12,56,46
